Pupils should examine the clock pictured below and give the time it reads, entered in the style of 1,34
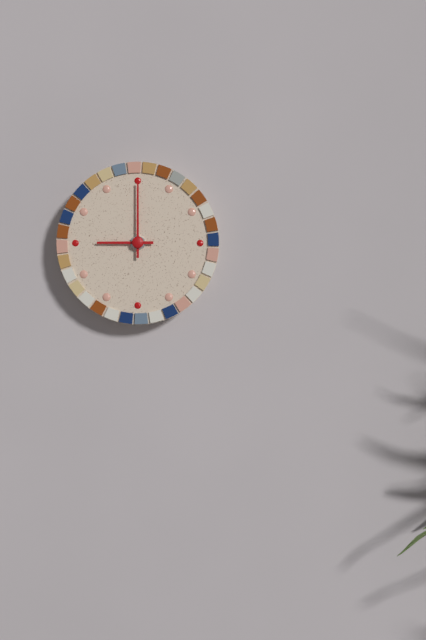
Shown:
9,00
